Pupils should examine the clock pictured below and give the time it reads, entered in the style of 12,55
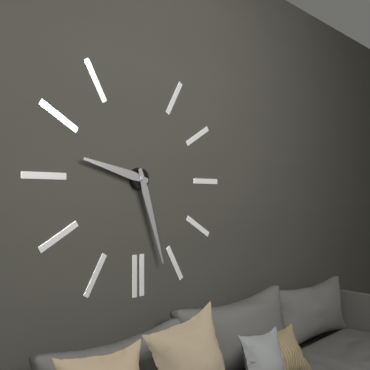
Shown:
9,27
